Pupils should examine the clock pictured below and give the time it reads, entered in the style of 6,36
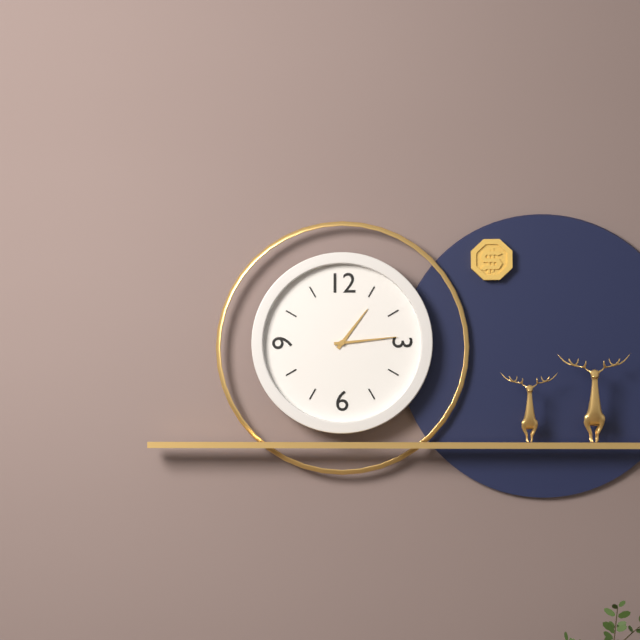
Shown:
1,14
